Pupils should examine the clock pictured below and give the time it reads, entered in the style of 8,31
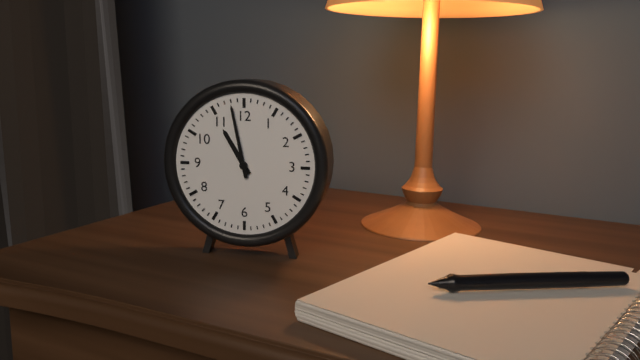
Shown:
10,58
